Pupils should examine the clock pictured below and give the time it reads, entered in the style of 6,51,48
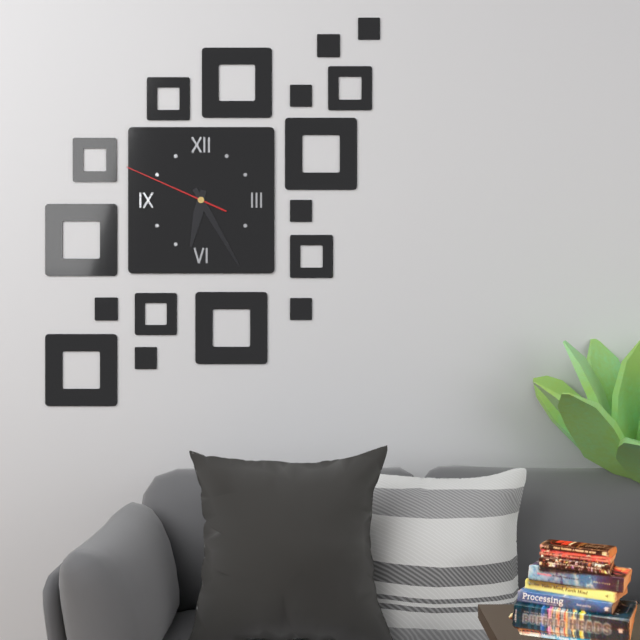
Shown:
6,25,49
